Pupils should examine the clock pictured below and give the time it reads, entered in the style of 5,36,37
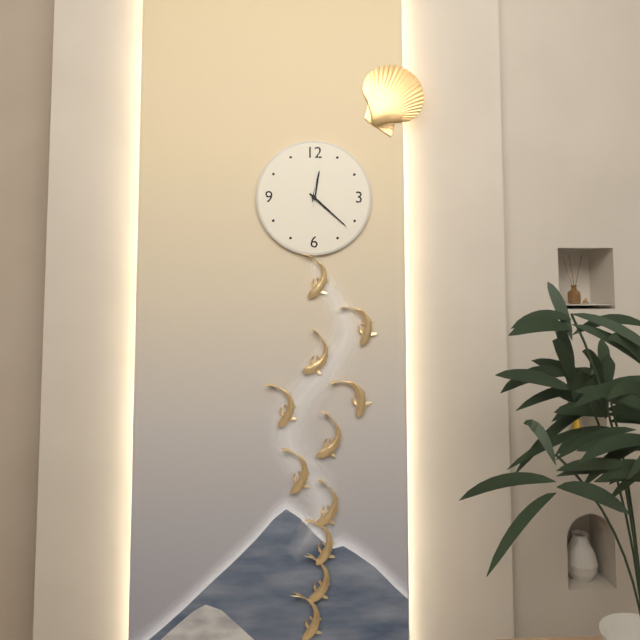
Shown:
12,22,01
